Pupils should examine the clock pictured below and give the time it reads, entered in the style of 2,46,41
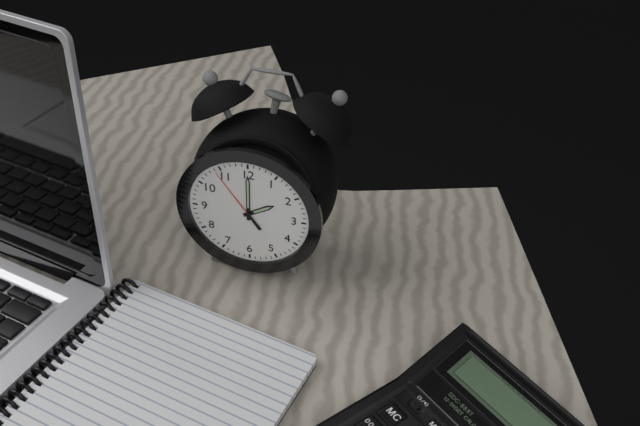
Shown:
2,00,54
